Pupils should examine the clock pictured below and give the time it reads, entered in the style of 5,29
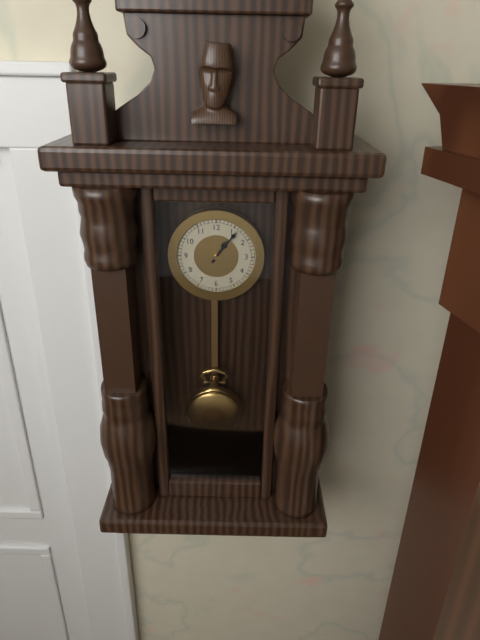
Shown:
1,06
